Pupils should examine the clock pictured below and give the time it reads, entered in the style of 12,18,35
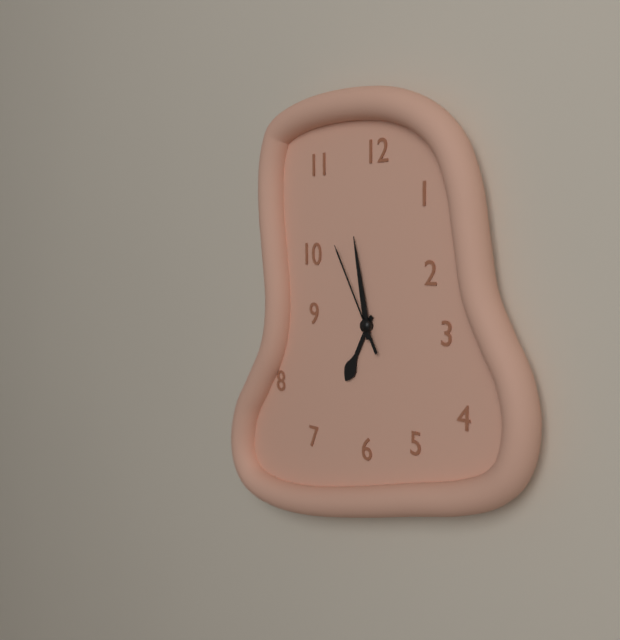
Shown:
6,58,55
